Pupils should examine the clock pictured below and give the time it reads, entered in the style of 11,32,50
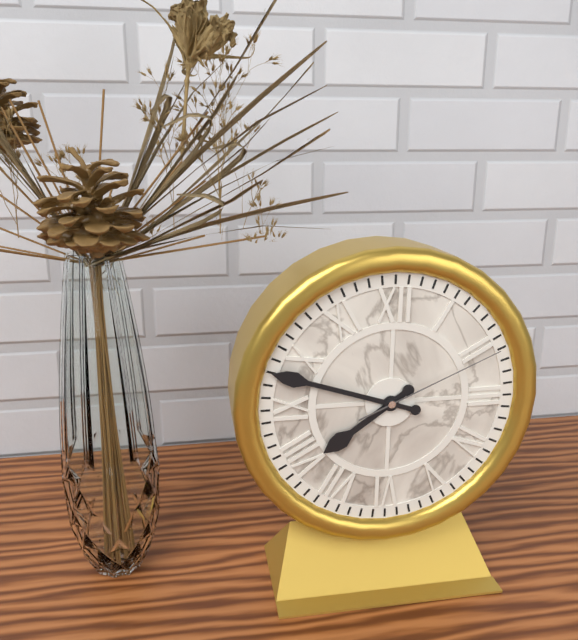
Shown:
7,48,11
